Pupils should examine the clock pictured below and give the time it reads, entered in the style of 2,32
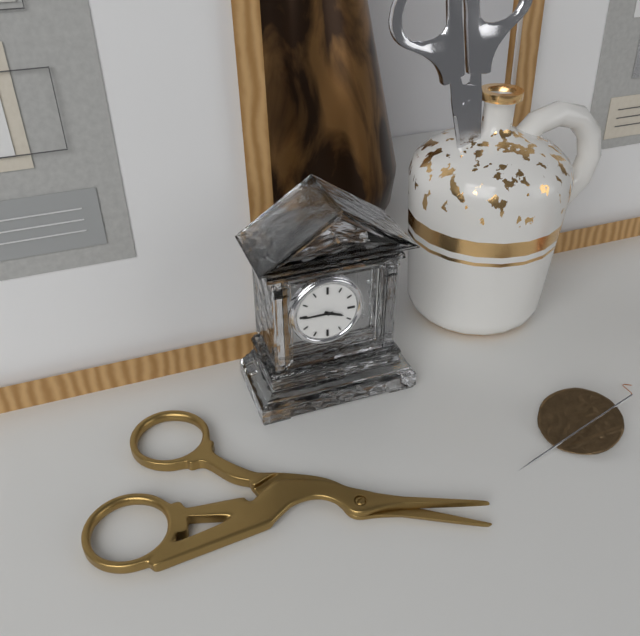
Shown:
3,45
